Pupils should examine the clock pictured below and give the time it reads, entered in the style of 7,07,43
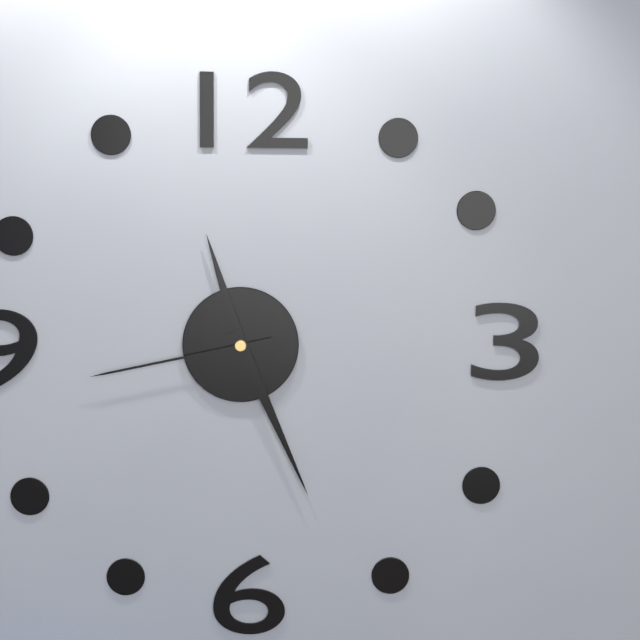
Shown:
11,26,43
